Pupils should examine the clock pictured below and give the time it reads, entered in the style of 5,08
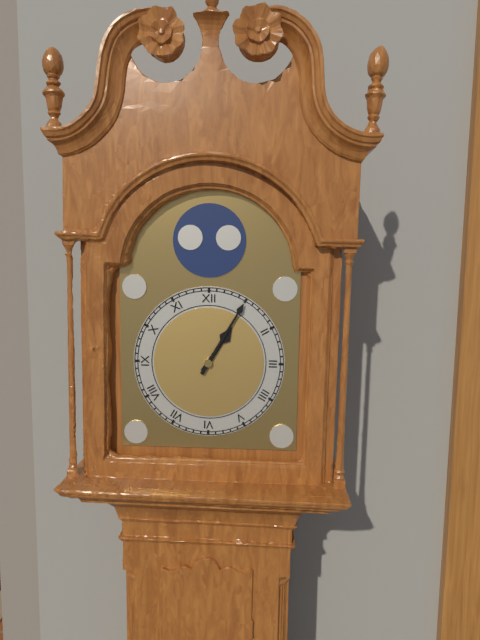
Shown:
1,05
